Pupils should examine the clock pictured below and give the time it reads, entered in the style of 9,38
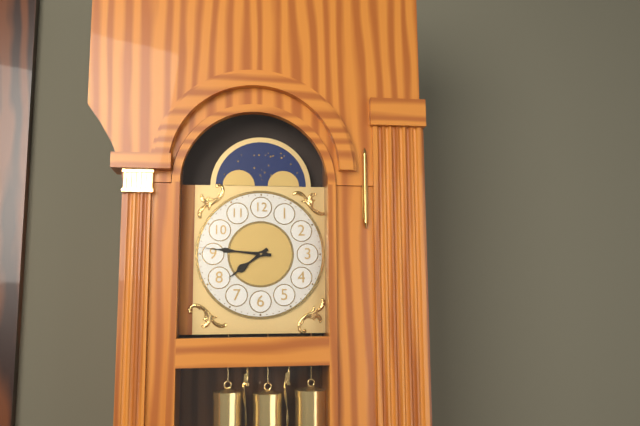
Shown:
7,46
